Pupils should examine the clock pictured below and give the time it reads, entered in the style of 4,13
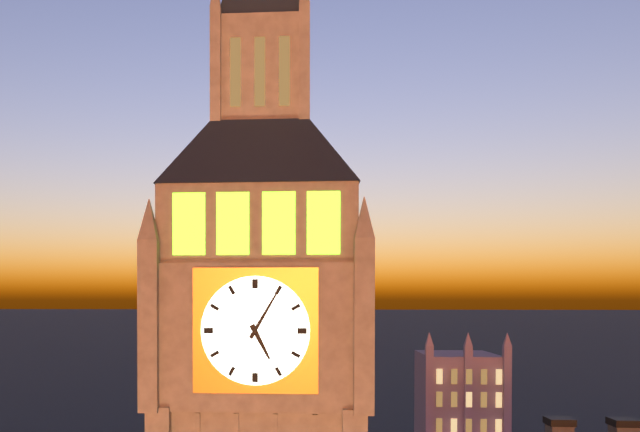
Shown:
5,05
